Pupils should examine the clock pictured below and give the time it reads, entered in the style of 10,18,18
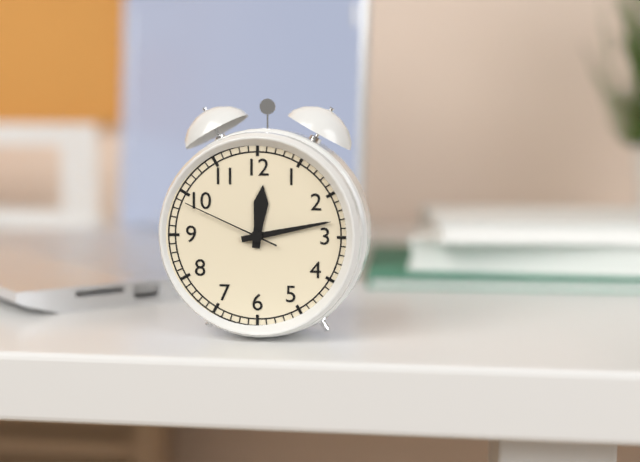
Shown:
12,13,49
